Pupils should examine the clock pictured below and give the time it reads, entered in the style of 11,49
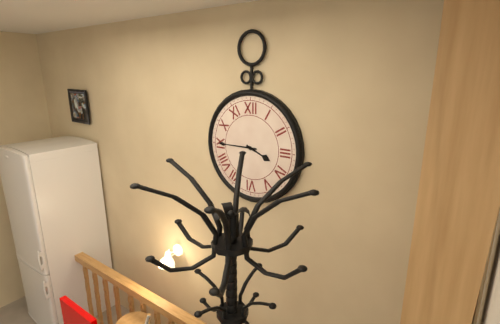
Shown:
3,45
